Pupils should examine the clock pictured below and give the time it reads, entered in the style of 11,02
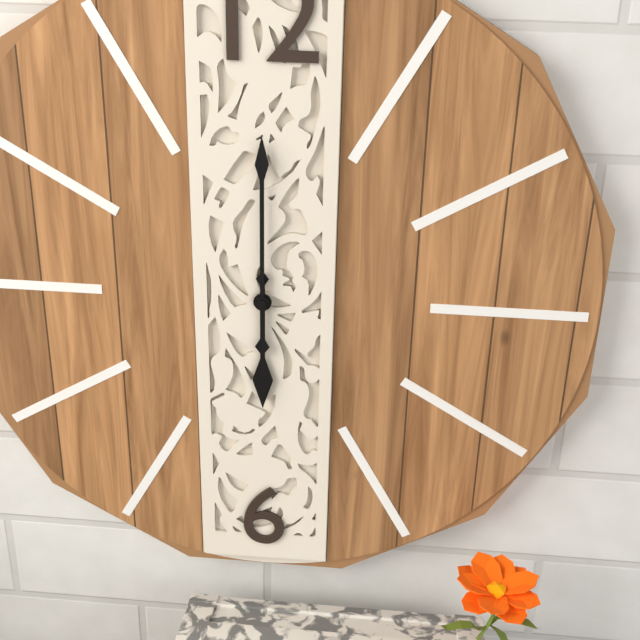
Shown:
6,00
